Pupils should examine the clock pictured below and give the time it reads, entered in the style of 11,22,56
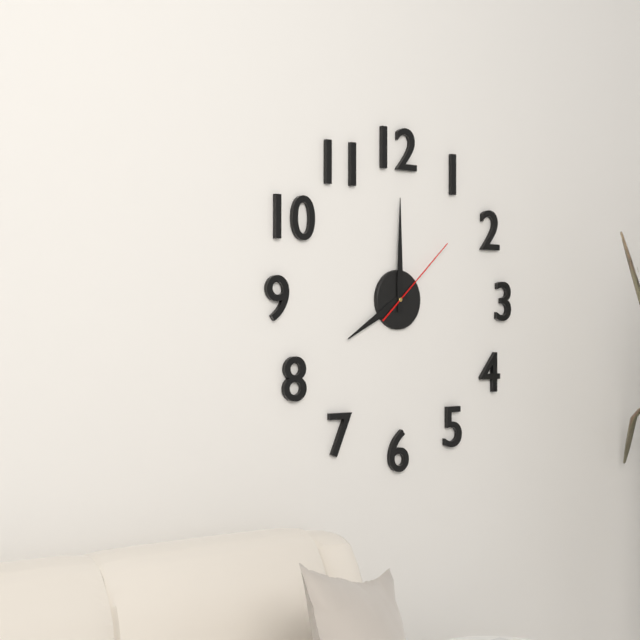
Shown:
8,00,08
